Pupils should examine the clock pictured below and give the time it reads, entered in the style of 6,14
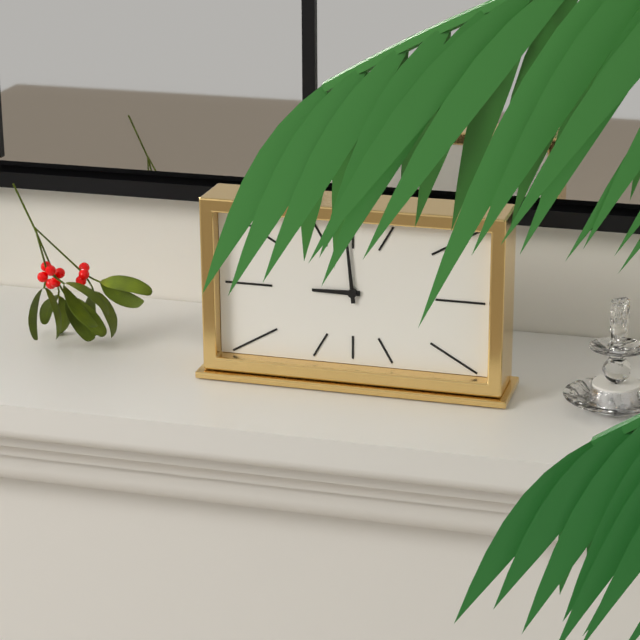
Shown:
8,59
